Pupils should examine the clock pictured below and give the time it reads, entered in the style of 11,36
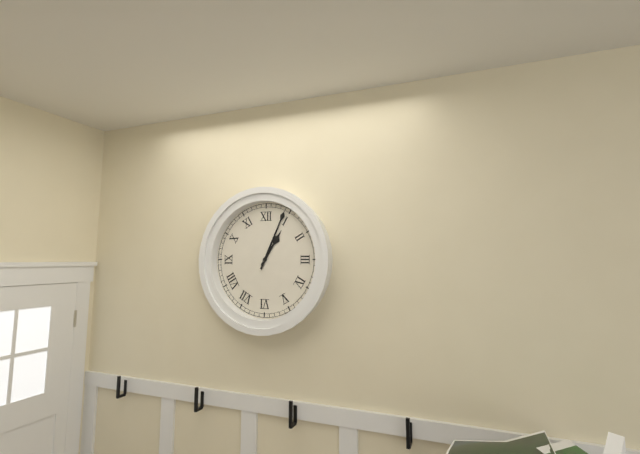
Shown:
1,04
